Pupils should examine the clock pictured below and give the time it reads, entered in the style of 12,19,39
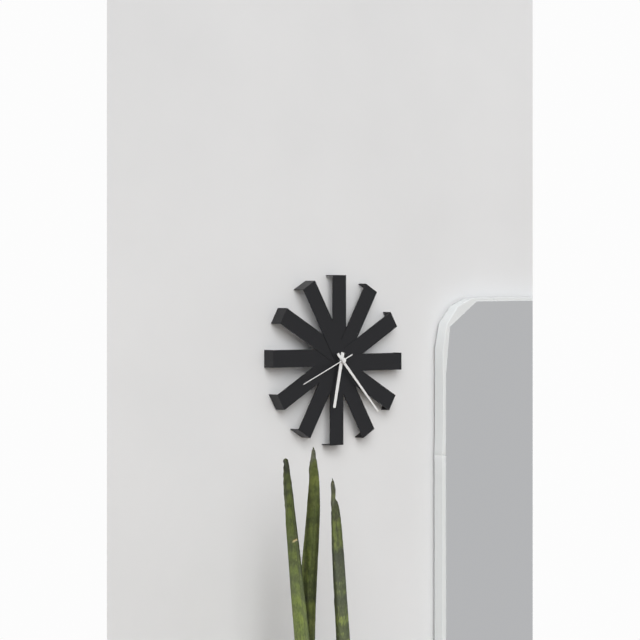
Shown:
6,23,41
